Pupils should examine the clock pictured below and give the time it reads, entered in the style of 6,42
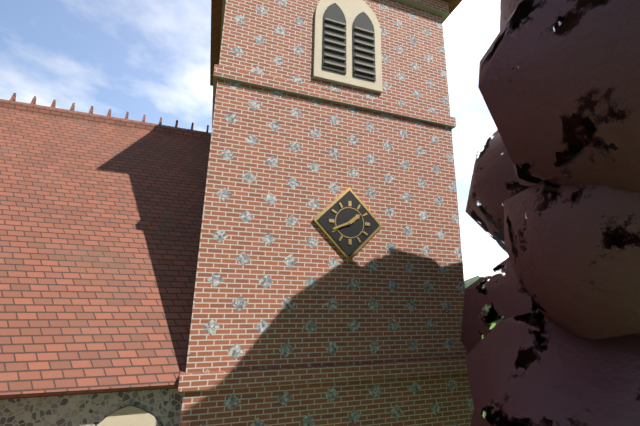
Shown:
1,41
